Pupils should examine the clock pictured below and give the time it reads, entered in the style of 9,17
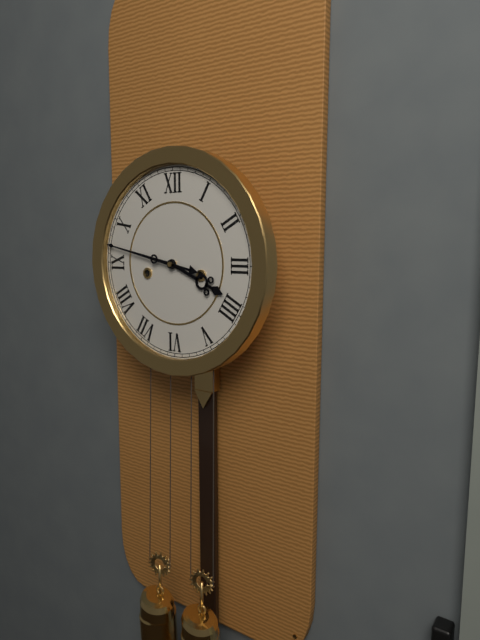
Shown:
3,47
